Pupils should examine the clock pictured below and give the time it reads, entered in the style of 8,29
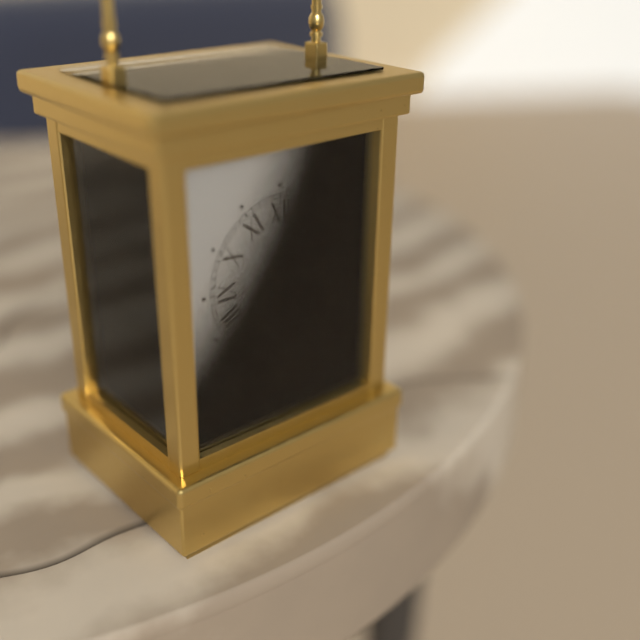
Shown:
1,18
